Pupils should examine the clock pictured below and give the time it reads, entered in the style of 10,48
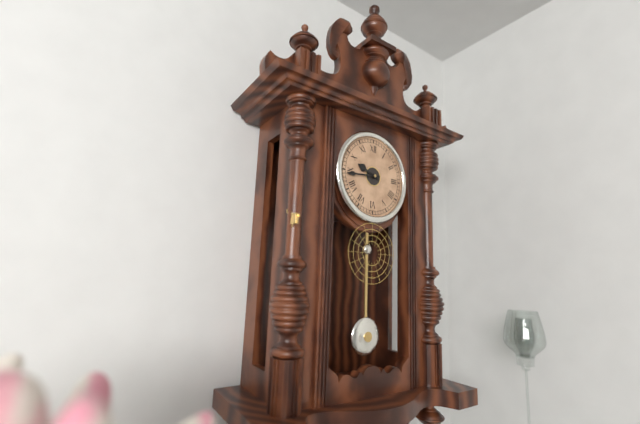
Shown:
9,44
